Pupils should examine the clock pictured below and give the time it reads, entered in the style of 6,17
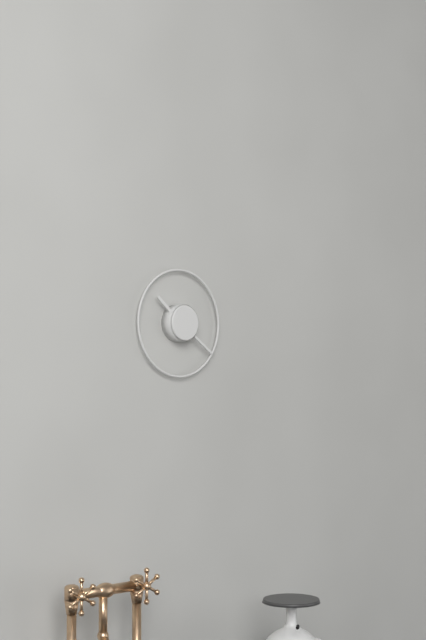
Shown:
10,21
